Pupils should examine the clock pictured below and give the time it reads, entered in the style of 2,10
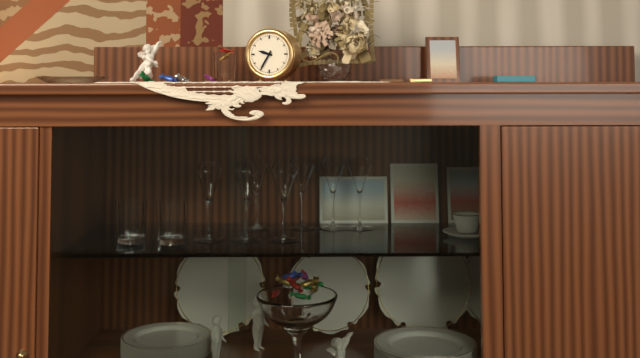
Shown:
9,35
